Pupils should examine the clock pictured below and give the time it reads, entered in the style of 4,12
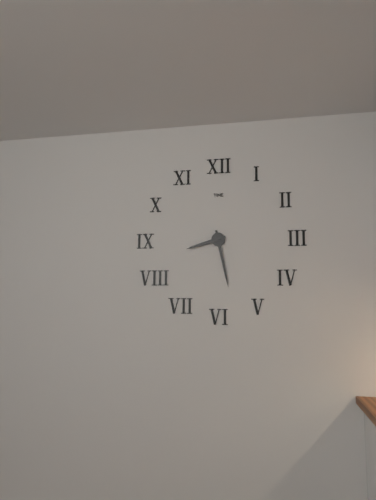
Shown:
8,28
